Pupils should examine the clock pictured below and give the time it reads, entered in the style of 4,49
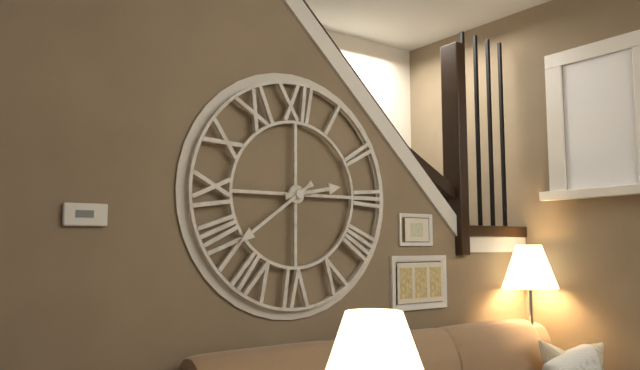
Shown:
2,39
